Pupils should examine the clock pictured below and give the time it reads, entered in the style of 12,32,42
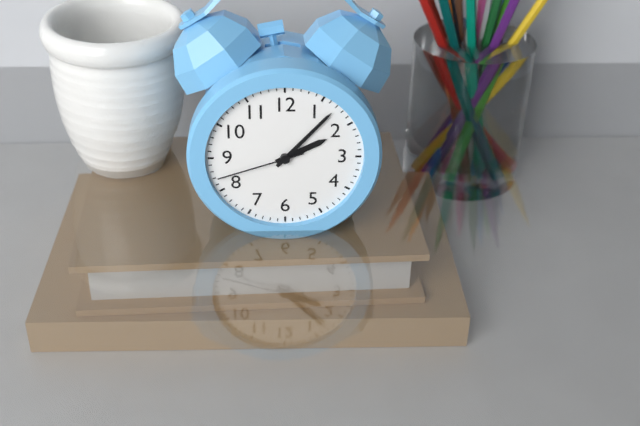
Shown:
2,07,42
